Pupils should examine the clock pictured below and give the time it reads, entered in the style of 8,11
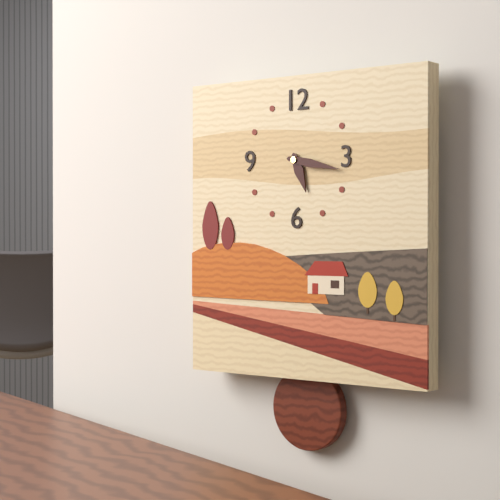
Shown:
5,17
